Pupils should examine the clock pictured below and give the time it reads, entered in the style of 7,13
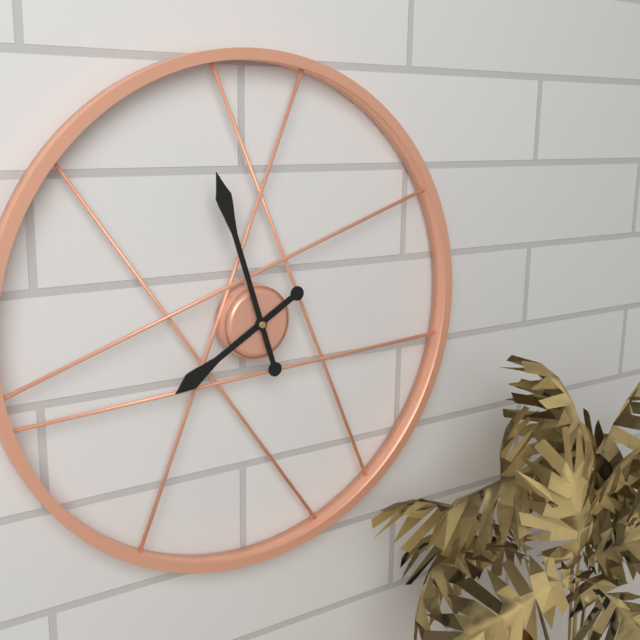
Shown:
7,57
